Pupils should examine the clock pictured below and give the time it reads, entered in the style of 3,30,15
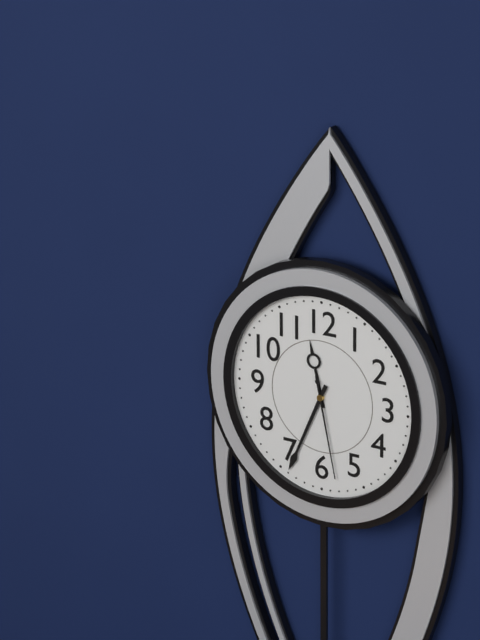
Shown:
11,34,28
